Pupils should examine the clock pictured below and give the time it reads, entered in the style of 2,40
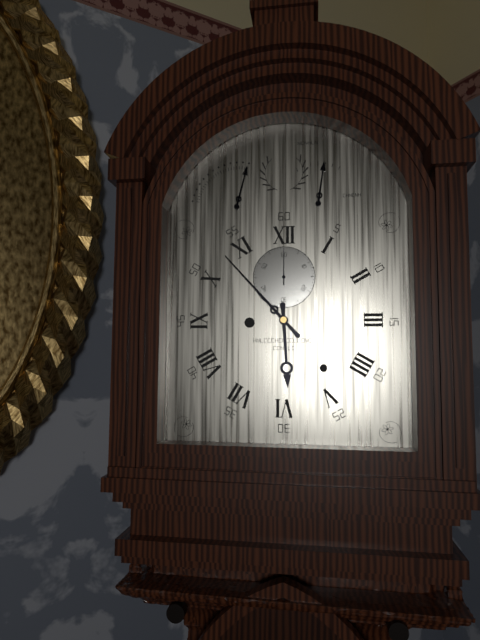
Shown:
5,53
